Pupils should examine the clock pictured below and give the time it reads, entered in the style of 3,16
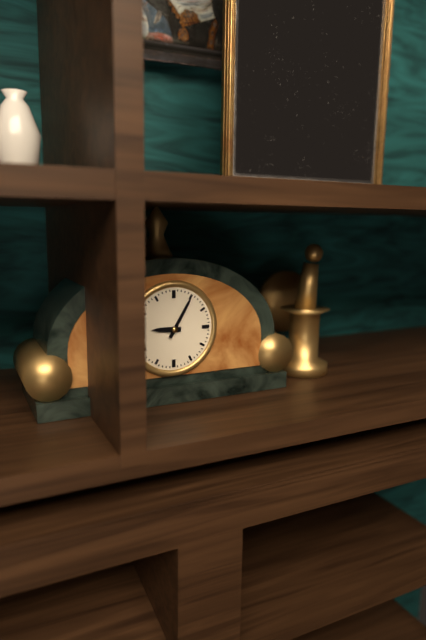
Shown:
9,05
